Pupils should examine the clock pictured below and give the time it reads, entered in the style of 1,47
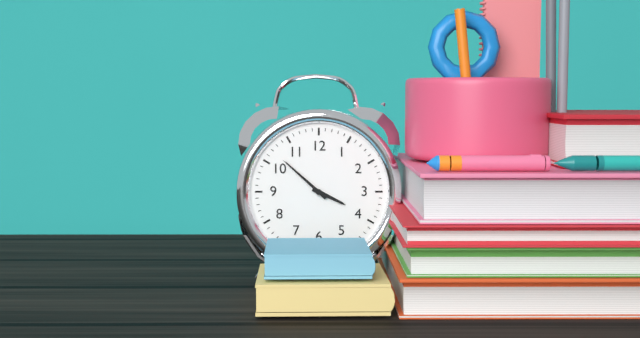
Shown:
3,52
